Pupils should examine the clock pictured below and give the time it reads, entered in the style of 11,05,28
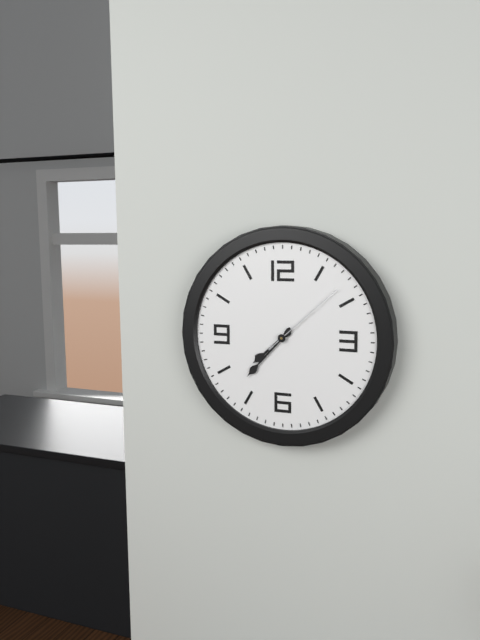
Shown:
7,37,08
